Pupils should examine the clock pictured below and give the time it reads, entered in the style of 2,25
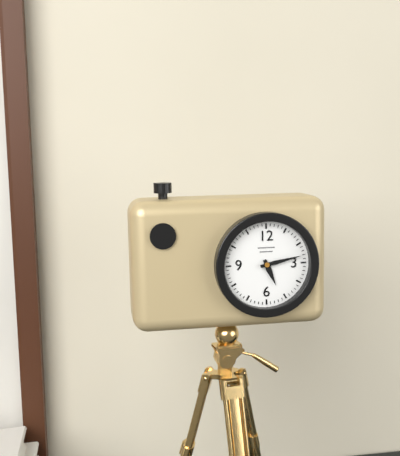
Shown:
5,13
